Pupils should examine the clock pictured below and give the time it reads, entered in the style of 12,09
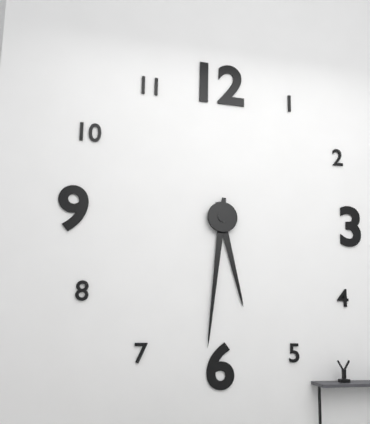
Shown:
5,31
